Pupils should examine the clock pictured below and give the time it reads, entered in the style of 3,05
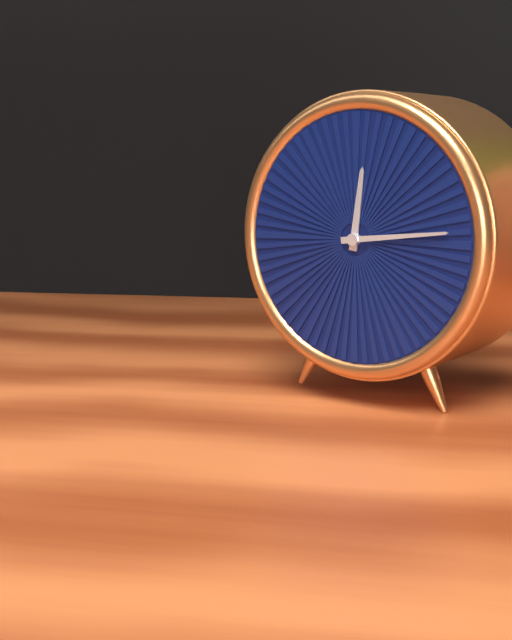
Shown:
12,14
